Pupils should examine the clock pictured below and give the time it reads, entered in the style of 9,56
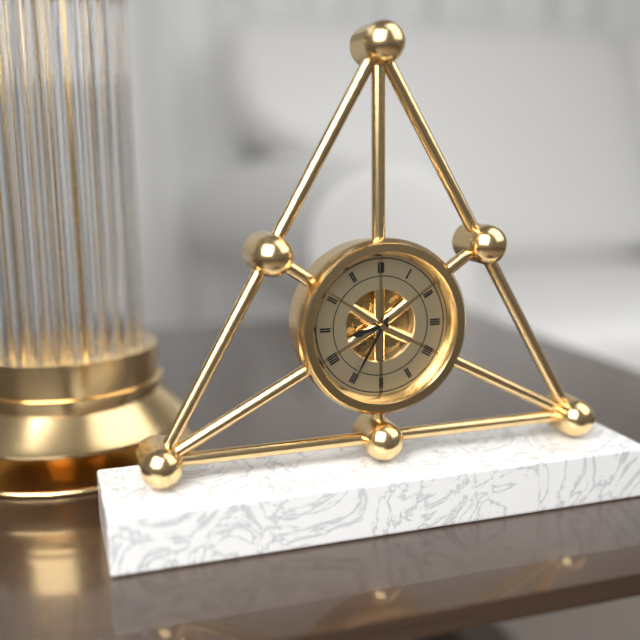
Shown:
8,35
